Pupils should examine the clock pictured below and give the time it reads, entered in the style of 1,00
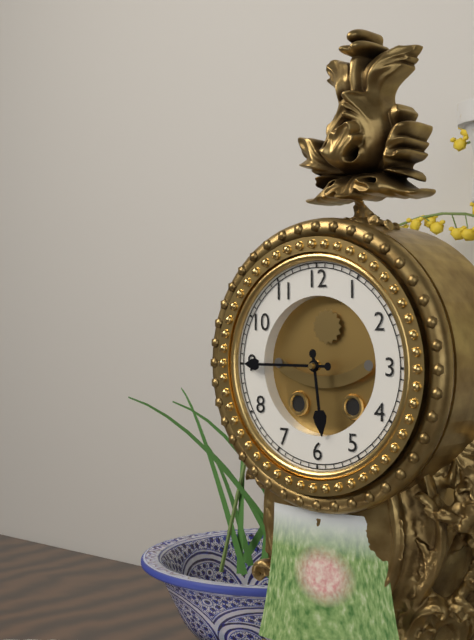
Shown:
5,45
